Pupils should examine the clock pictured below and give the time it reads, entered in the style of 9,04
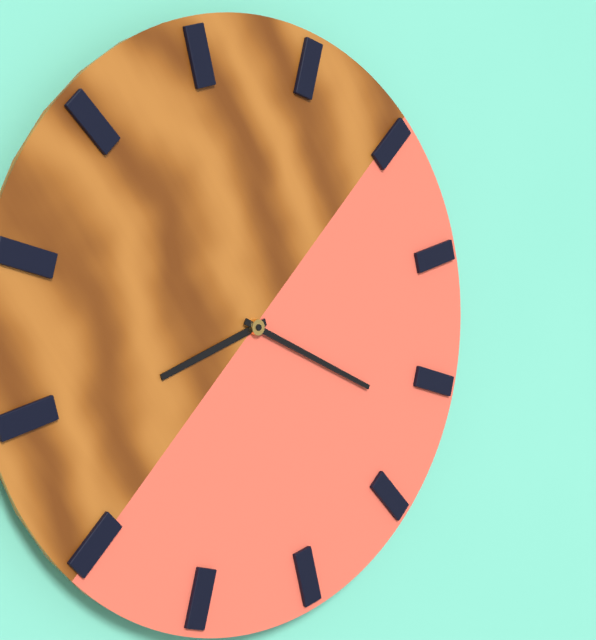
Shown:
8,19
